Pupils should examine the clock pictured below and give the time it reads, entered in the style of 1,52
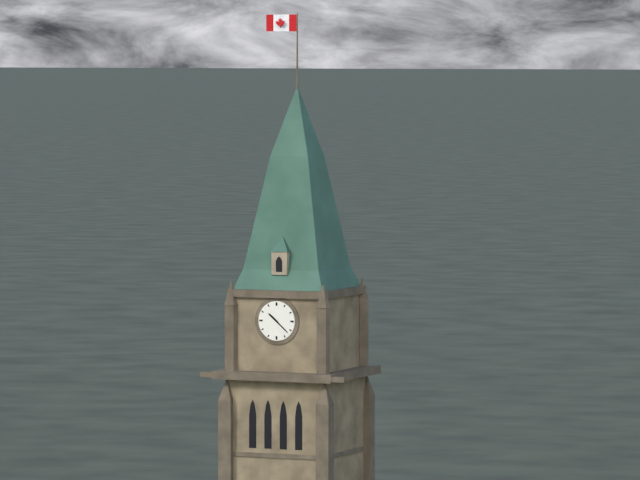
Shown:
10,22
